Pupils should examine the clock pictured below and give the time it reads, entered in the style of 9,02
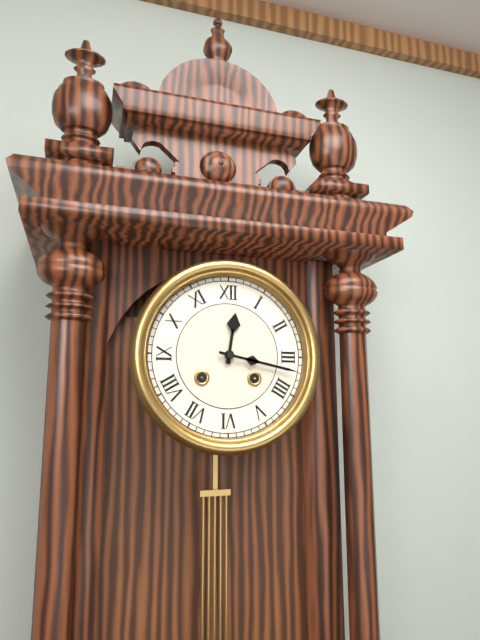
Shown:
12,17
